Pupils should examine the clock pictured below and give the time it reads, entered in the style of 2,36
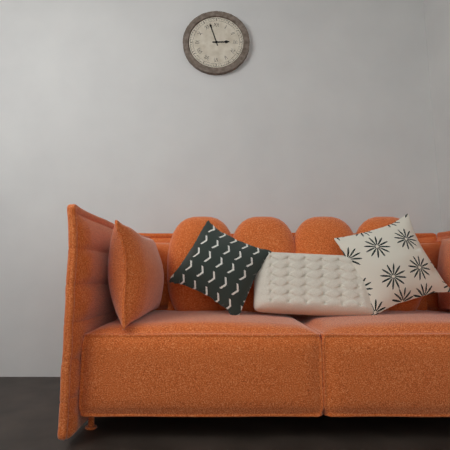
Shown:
2,57
